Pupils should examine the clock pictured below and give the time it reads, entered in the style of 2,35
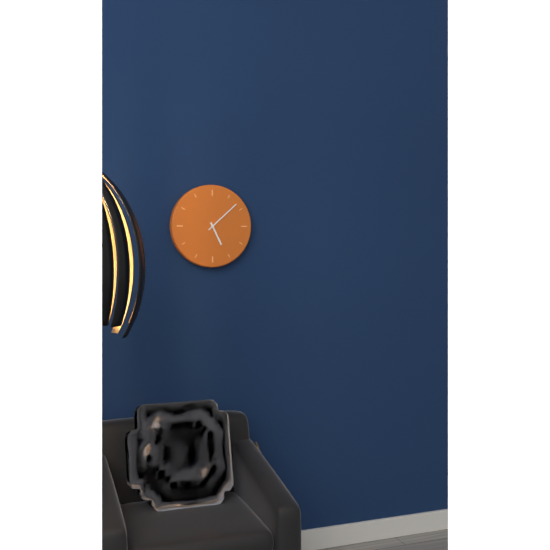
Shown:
5,08
